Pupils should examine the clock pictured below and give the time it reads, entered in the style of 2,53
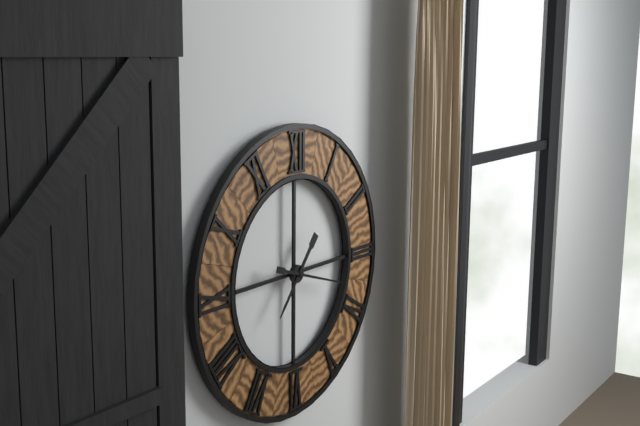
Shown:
7,18
